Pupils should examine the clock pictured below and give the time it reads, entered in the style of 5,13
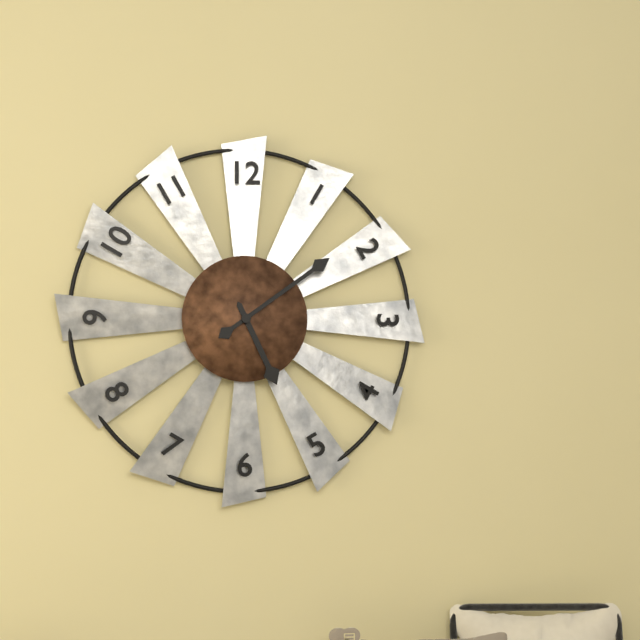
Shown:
5,09
